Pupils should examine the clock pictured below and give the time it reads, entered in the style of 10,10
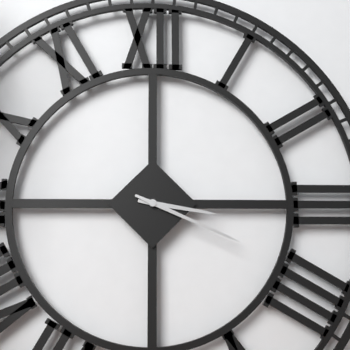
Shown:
3,19
